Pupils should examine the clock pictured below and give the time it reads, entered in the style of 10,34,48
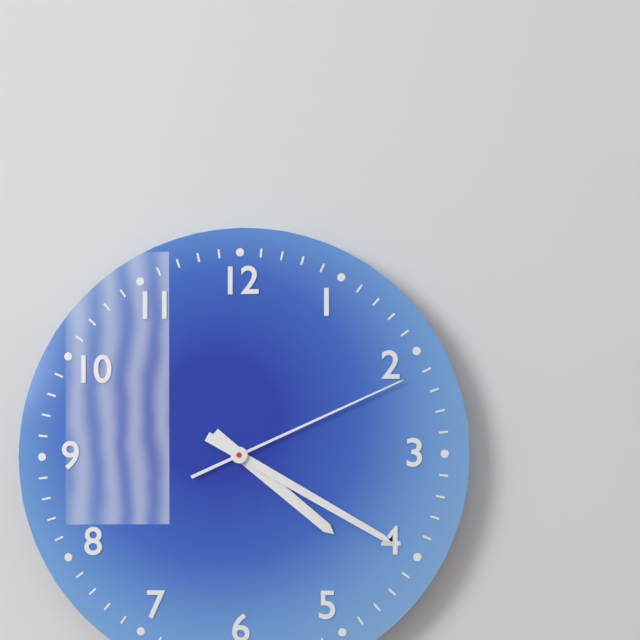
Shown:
4,20,11
